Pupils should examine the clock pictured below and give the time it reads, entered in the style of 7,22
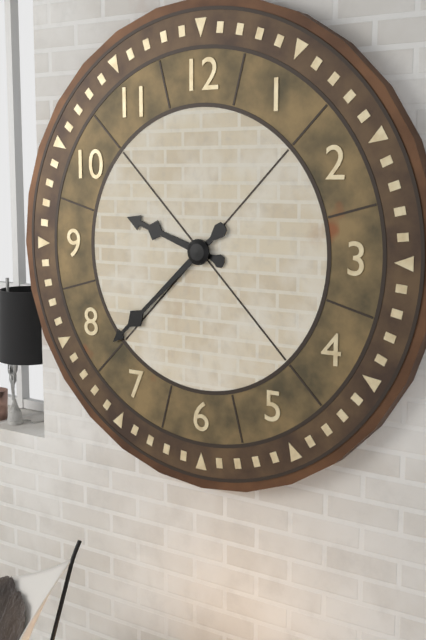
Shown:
9,38
